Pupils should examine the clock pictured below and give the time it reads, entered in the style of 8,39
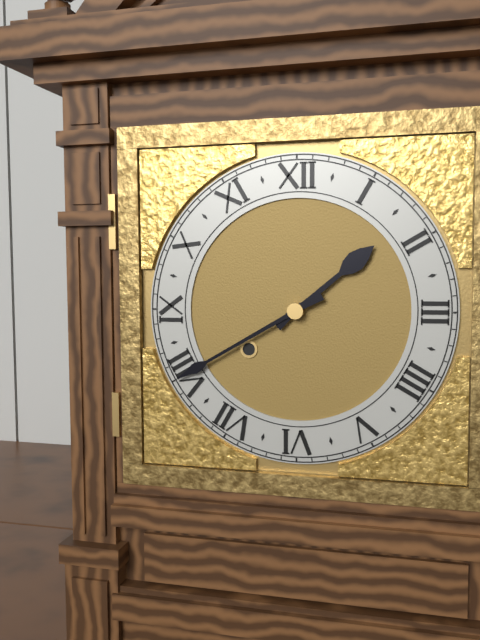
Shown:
1,40
